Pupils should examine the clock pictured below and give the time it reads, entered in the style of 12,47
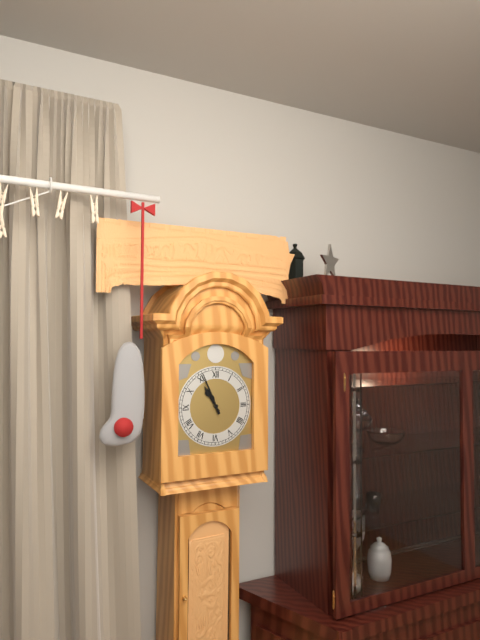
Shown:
10,56
